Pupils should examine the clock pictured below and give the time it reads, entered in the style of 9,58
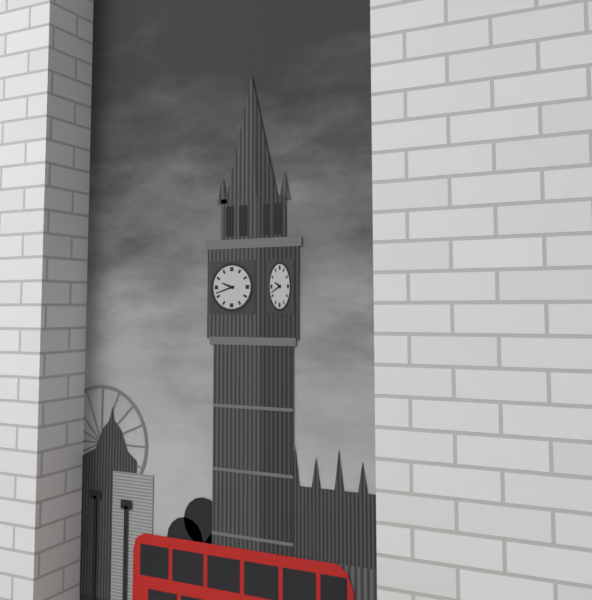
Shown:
9,42
